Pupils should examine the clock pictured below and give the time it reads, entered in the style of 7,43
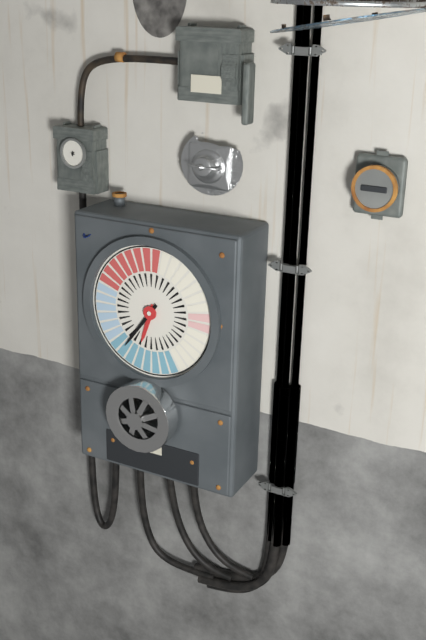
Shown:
6,36
